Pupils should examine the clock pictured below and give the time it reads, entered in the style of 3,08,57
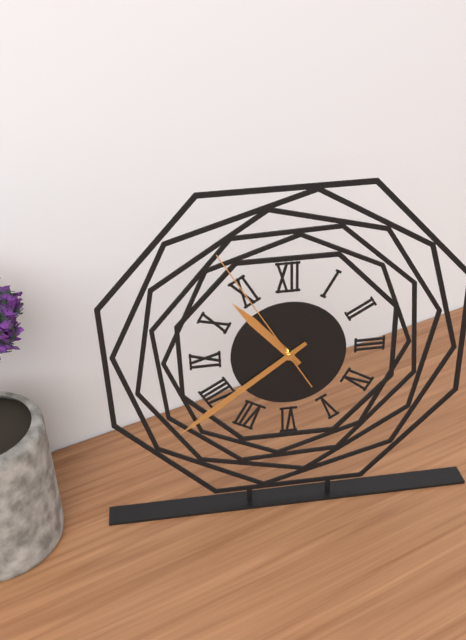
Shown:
10,39,55
